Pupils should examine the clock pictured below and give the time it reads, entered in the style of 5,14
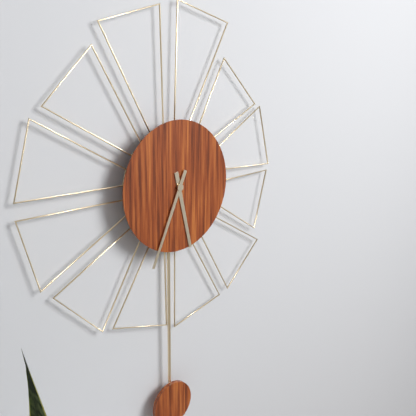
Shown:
5,34
